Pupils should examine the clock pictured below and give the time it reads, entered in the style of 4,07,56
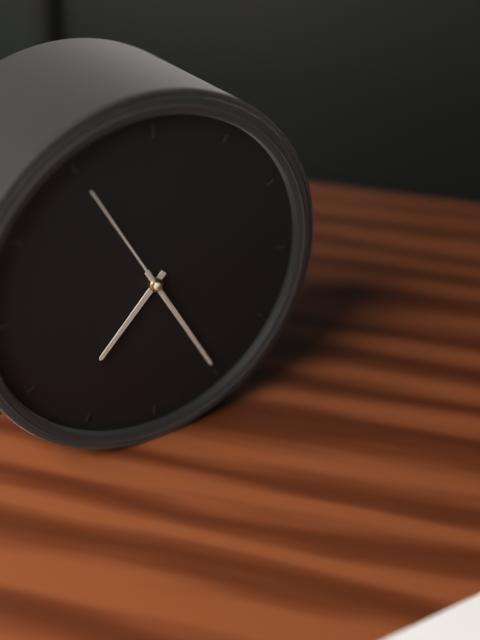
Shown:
7,25,55
